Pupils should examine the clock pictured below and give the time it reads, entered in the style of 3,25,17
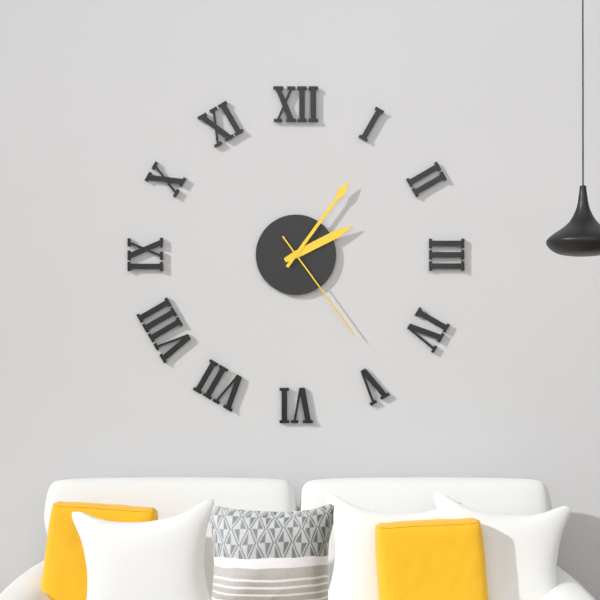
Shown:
2,06,24
